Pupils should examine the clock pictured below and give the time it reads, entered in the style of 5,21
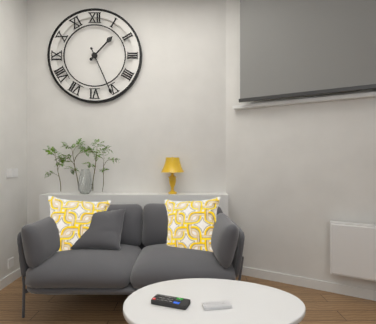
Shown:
1,26
